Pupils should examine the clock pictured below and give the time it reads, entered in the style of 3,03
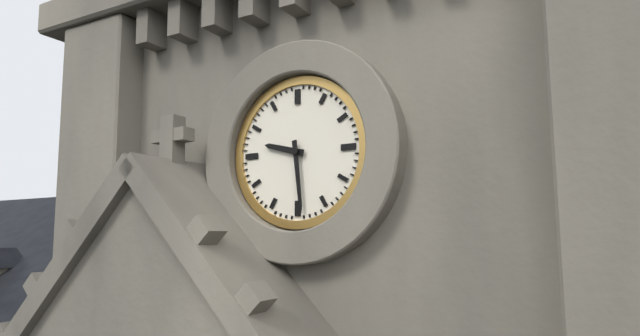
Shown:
9,29
